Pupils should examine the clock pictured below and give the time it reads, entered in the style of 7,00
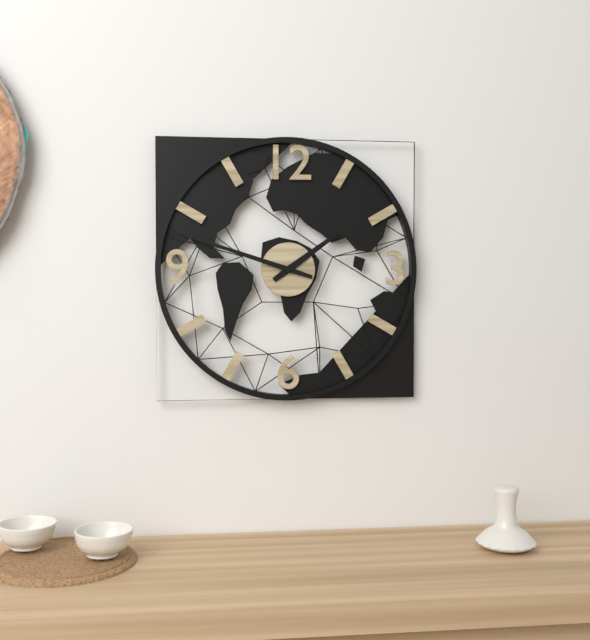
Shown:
1,48
